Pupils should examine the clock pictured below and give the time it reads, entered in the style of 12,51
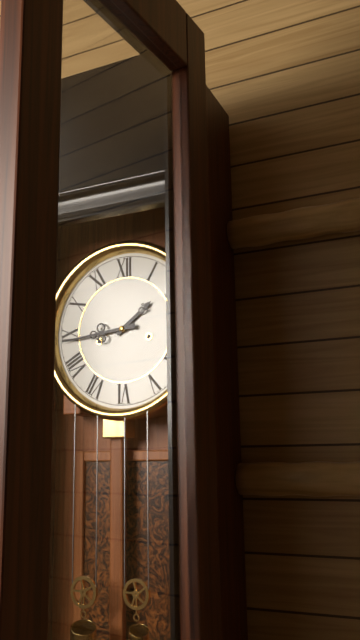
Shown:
1,44
